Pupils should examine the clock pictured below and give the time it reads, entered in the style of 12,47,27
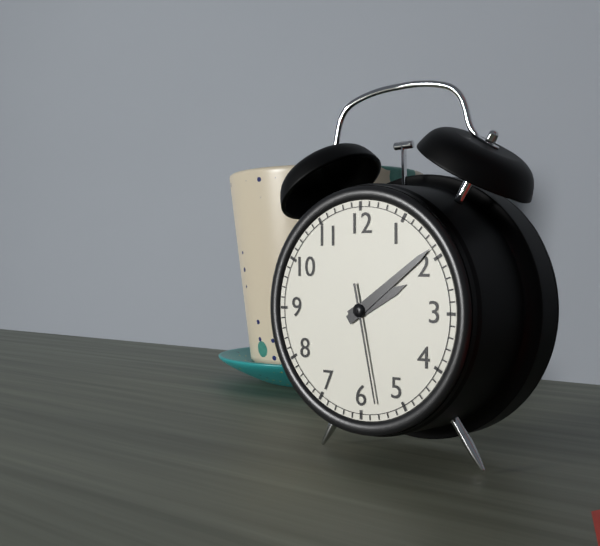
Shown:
2,09,28
